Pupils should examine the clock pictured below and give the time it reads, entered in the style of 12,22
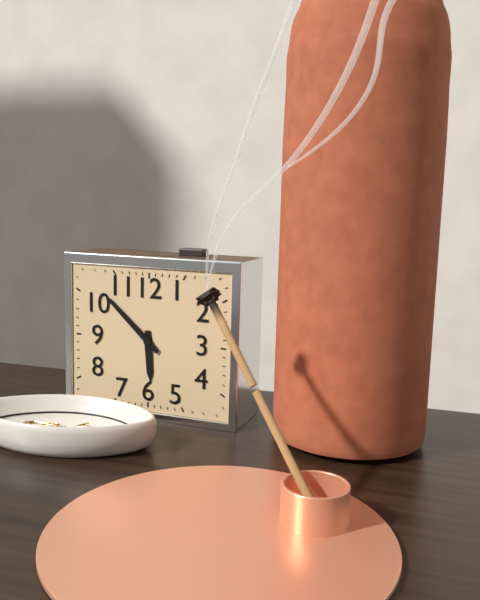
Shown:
5,52
